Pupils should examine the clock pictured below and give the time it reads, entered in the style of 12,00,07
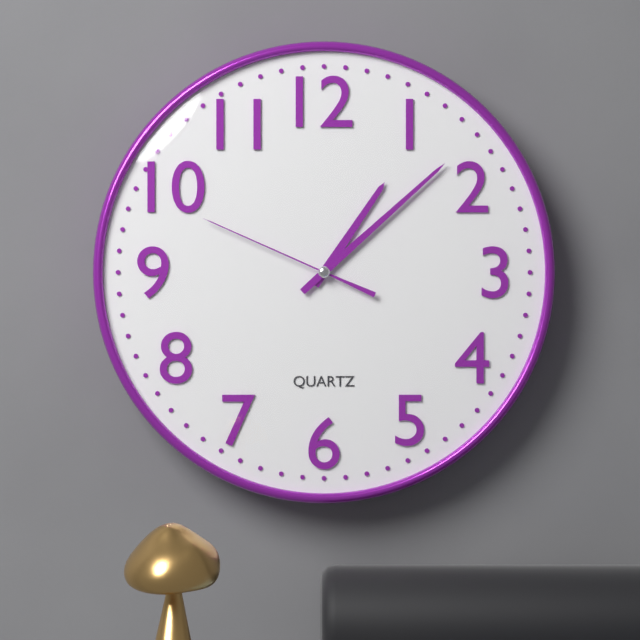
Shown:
1,08,49
